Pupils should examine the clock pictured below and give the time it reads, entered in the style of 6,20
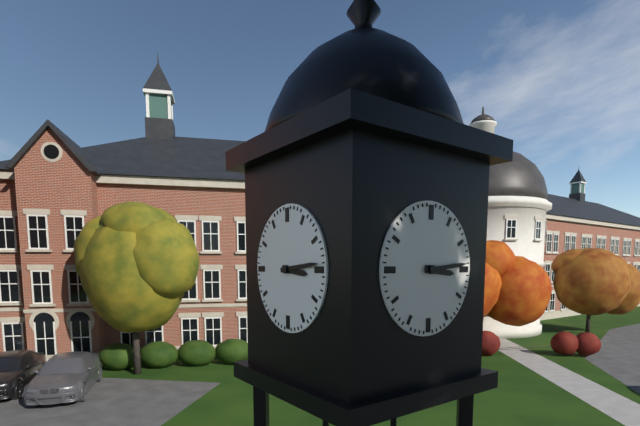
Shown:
3,14
